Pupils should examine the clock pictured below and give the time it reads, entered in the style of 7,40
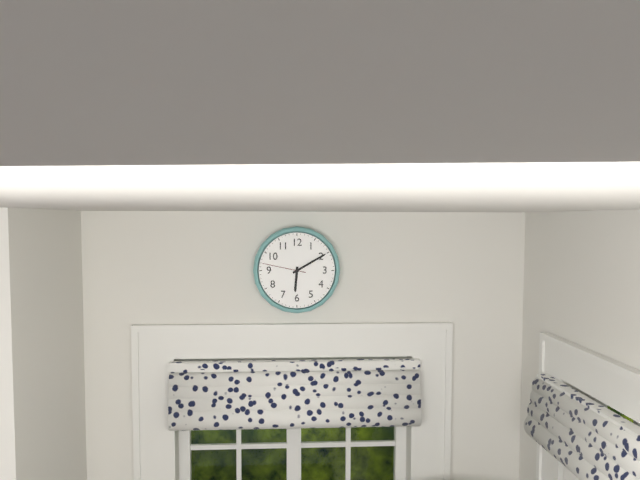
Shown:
6,10
